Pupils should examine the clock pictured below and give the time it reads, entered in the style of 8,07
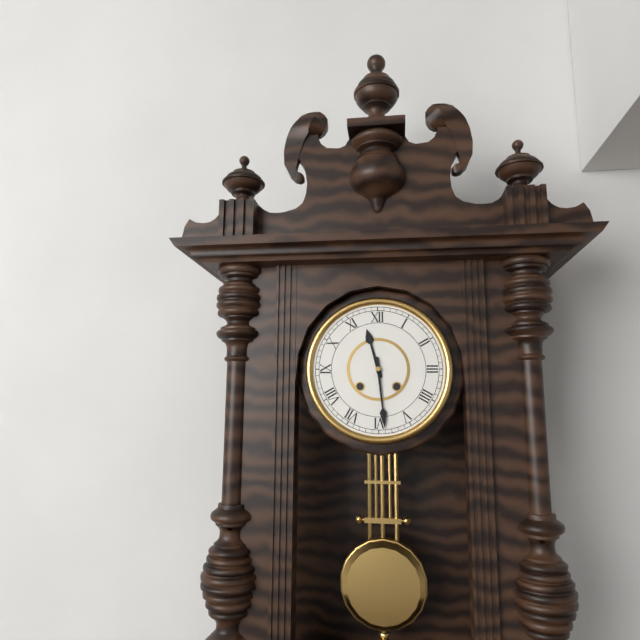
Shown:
11,29
